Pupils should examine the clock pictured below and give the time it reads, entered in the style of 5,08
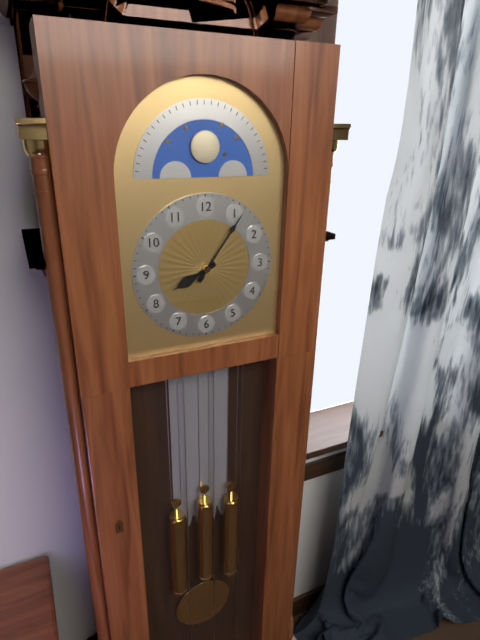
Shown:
8,06
